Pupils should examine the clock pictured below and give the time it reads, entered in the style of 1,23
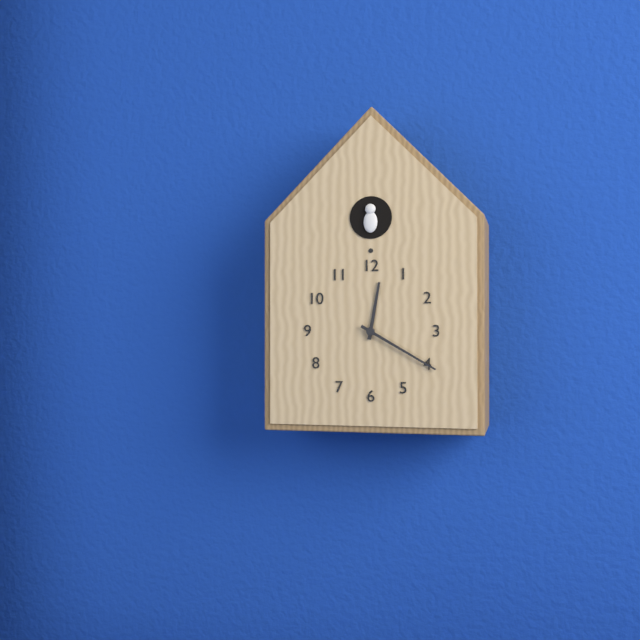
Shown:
12,20
